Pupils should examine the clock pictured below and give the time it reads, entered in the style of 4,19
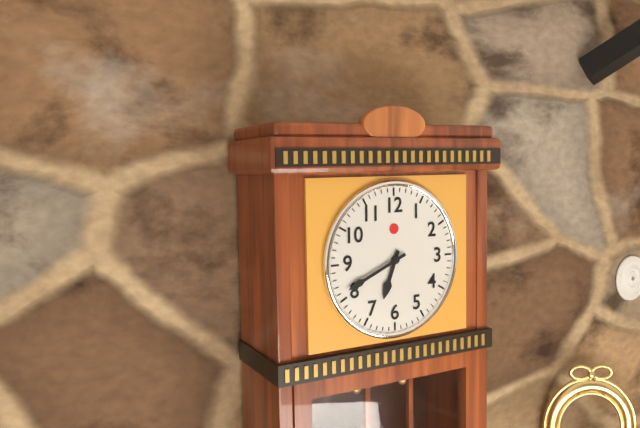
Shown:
6,41
